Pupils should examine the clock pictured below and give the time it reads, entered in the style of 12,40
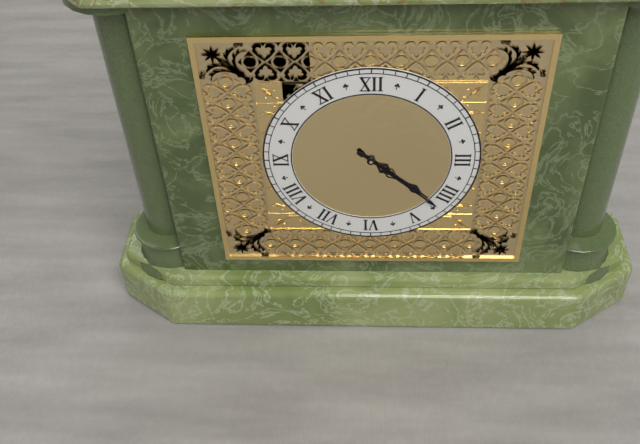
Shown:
4,22
